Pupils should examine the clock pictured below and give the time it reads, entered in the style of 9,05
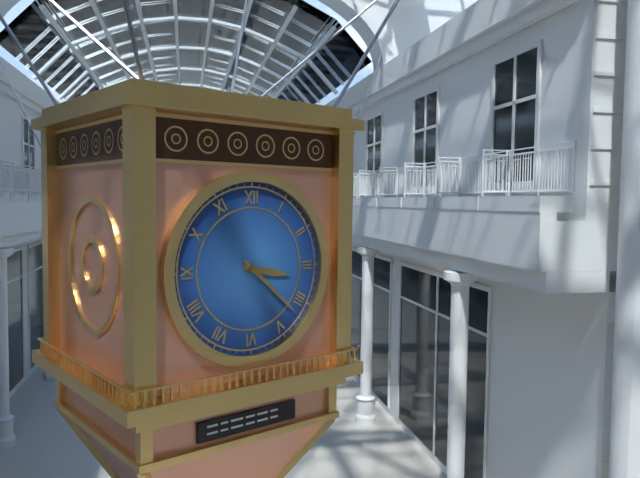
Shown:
3,22
